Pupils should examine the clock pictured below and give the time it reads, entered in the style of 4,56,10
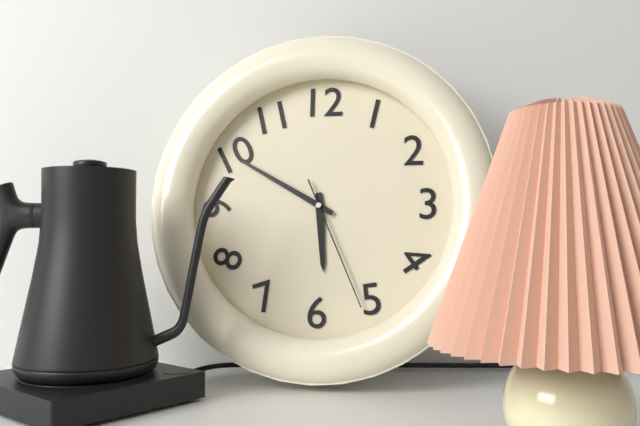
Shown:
5,50,26
